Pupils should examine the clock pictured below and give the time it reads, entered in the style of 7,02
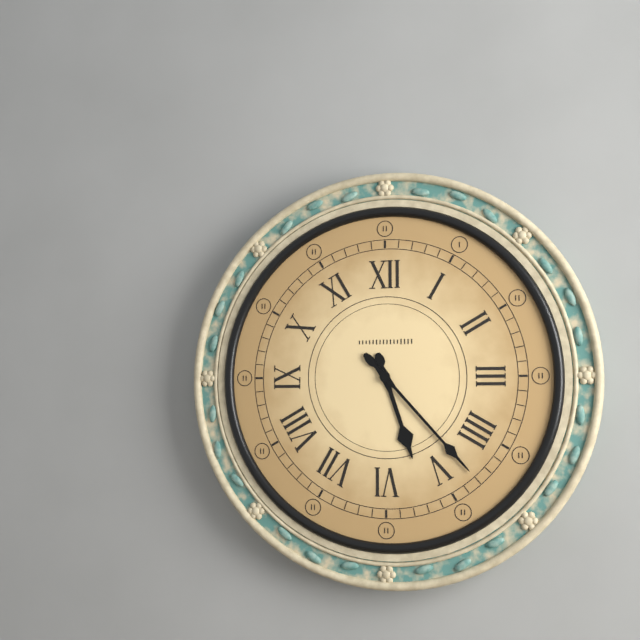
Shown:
5,23
